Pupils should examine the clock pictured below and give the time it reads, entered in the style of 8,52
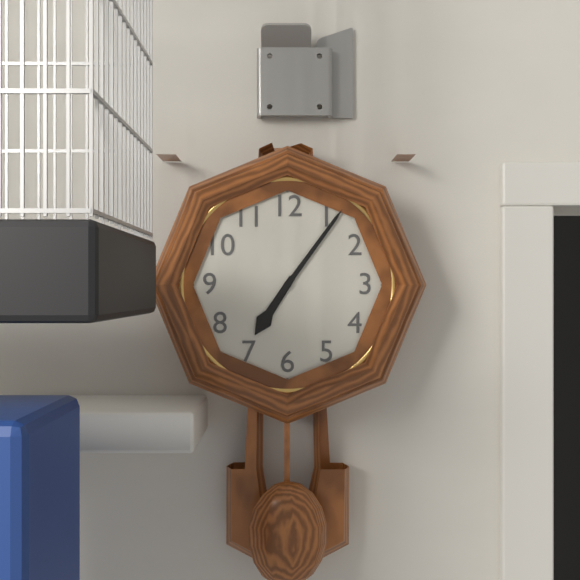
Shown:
7,06
